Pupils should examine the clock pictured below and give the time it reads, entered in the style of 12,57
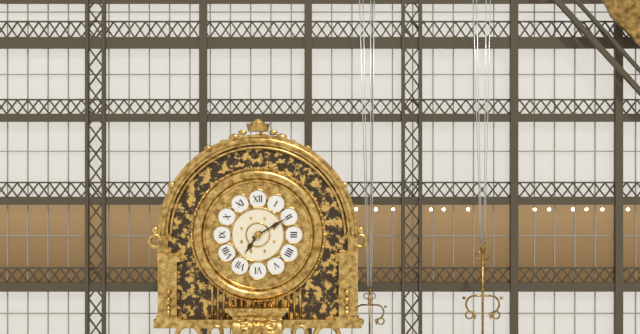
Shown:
7,10
